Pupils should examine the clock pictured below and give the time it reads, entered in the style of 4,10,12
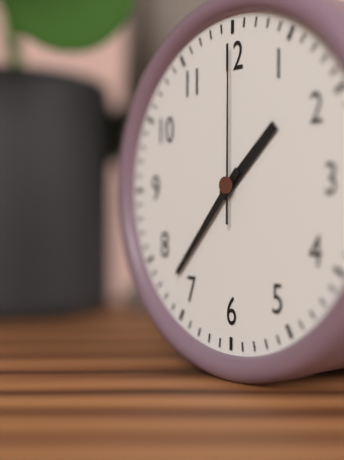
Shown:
1,37,00
